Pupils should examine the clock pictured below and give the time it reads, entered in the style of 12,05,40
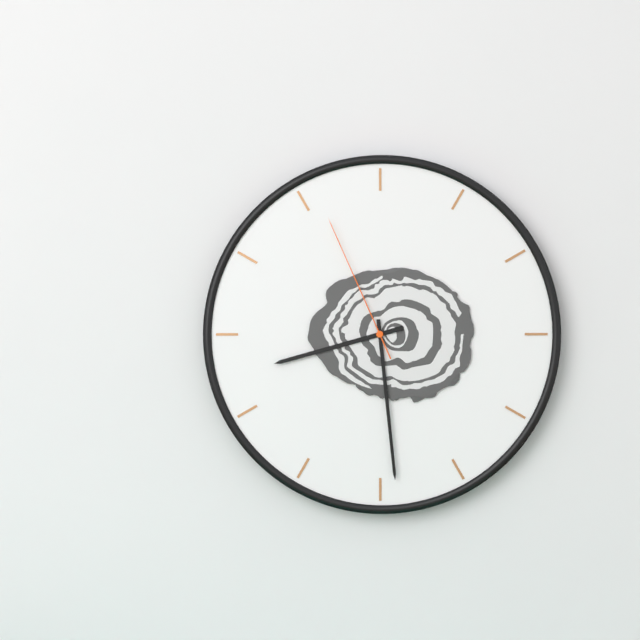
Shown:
8,29,56
